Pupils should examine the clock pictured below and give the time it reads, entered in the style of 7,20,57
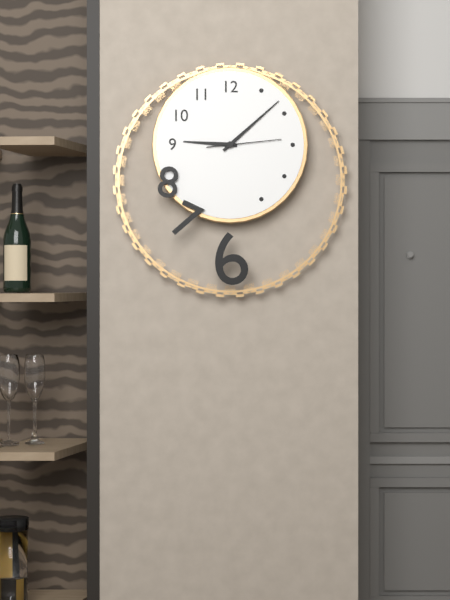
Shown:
9,08,14
